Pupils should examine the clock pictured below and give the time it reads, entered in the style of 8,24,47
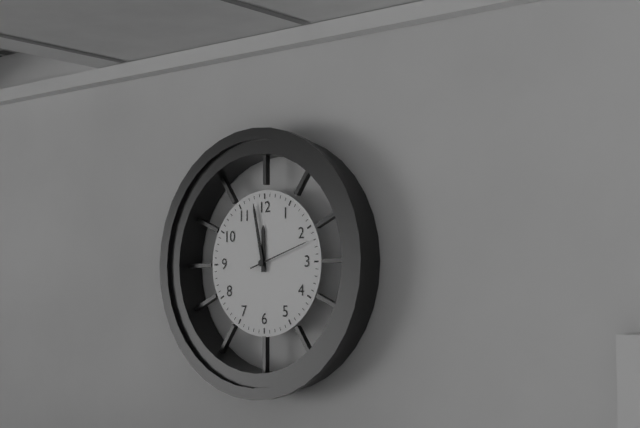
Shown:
11,58,12
